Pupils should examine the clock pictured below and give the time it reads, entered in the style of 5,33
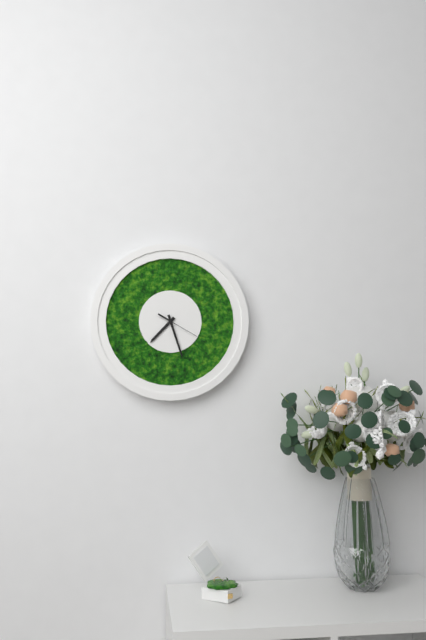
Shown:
7,27
